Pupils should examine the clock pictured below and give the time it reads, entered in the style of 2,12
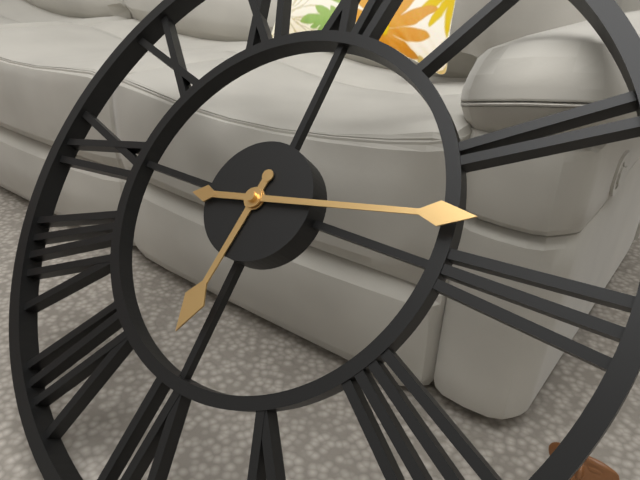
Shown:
6,13
